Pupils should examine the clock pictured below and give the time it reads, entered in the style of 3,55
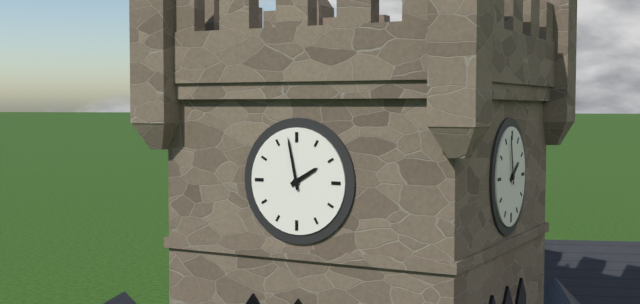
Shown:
1,58
